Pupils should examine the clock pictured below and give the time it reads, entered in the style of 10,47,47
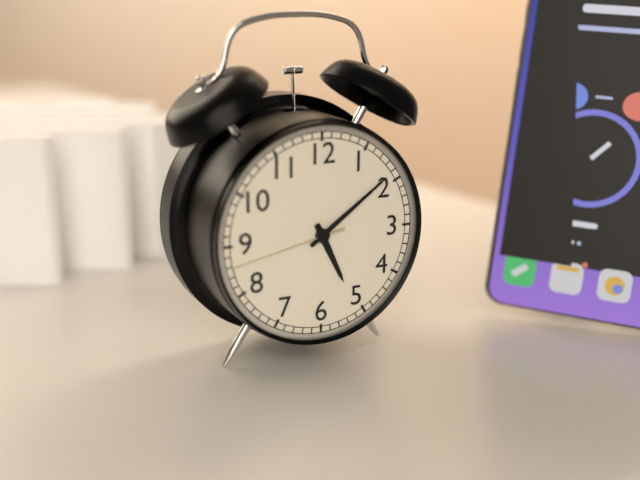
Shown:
5,09,43
